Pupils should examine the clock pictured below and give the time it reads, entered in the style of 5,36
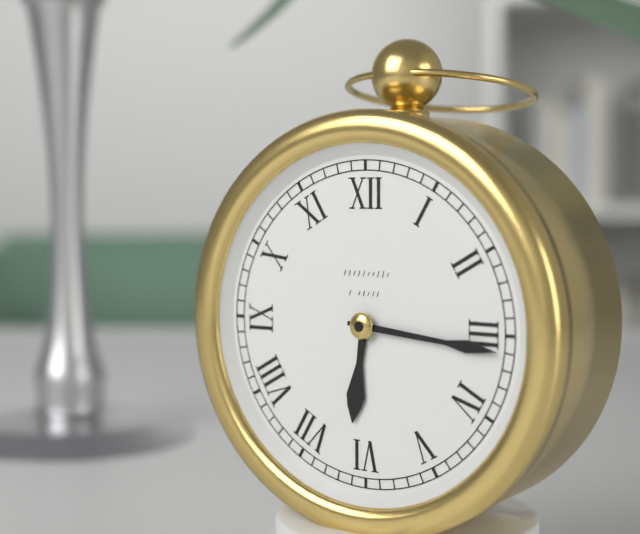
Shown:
6,16
